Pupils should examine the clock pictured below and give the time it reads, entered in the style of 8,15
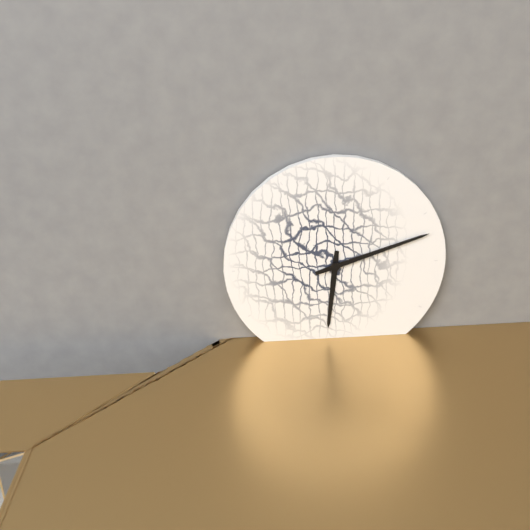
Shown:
6,12
